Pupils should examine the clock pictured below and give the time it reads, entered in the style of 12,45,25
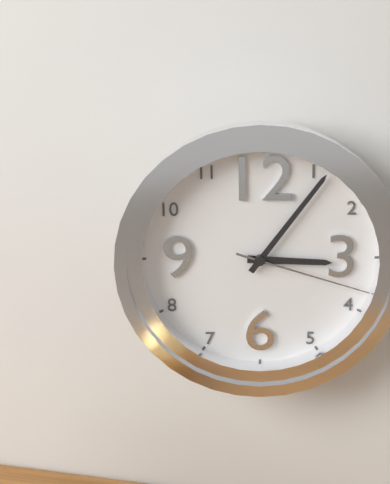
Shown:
3,06,18
